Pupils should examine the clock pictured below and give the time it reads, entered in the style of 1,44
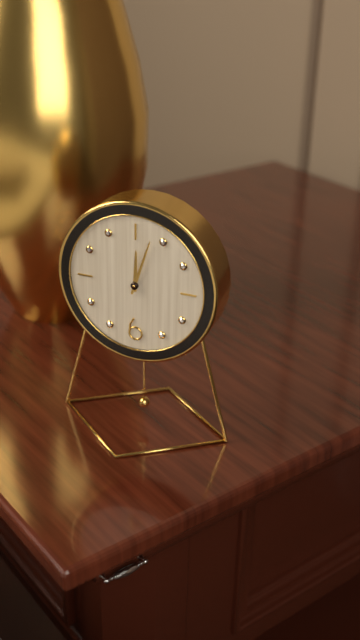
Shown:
12,03
